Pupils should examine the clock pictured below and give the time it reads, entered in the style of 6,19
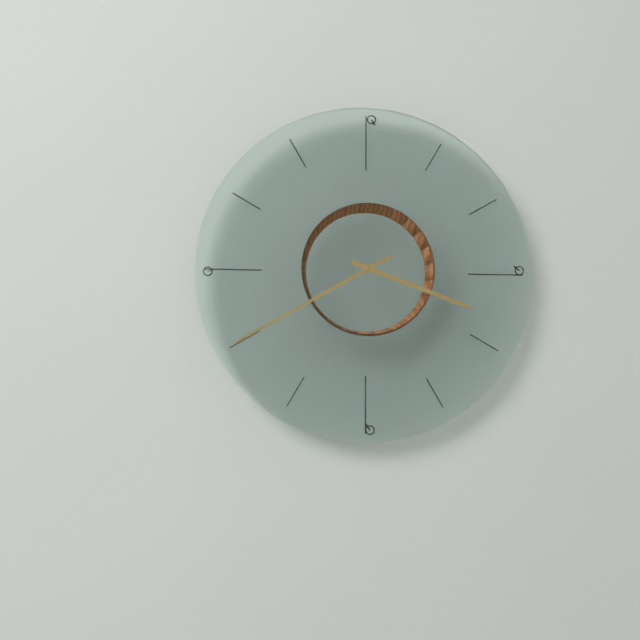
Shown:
3,40
